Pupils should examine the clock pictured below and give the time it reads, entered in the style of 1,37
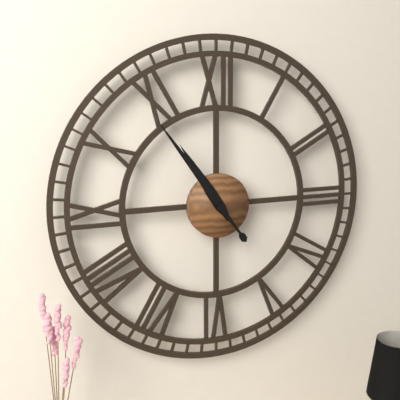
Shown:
10,54
